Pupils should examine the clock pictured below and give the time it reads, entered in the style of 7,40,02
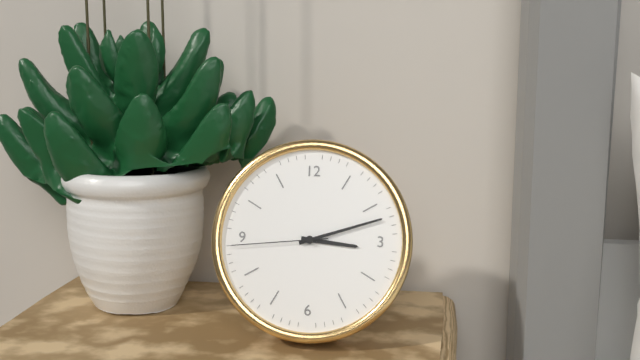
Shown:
3,12,44
